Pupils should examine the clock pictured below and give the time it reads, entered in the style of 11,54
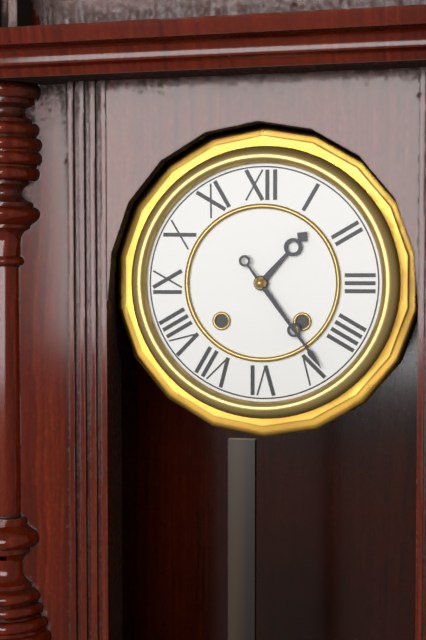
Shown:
1,24
